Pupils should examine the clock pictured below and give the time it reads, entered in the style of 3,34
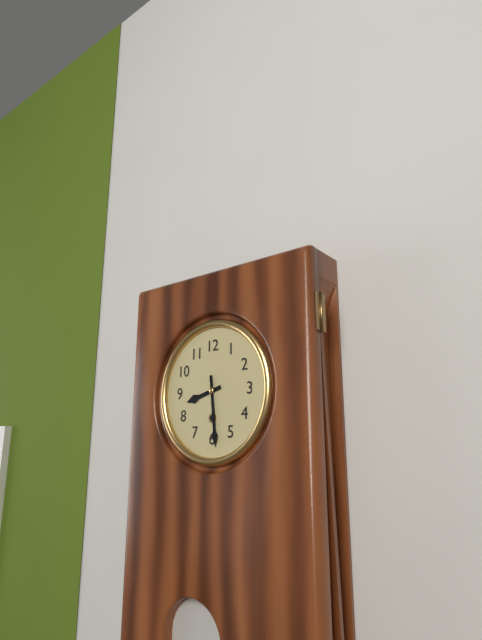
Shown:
8,29
